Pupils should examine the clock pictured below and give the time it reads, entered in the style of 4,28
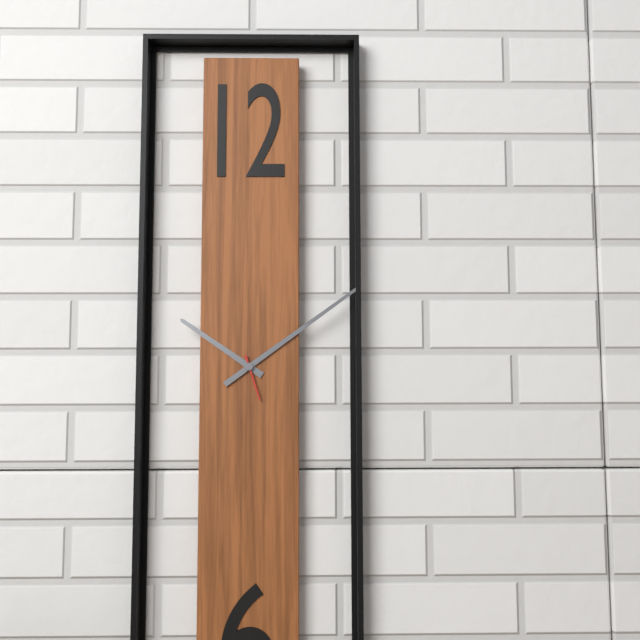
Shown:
10,09
